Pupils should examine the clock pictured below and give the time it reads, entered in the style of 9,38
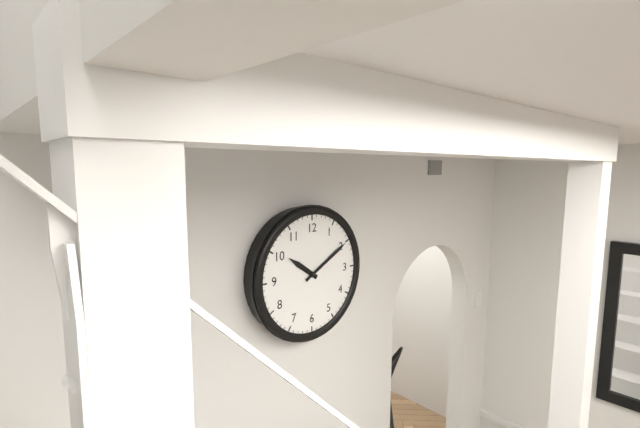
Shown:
10,10
